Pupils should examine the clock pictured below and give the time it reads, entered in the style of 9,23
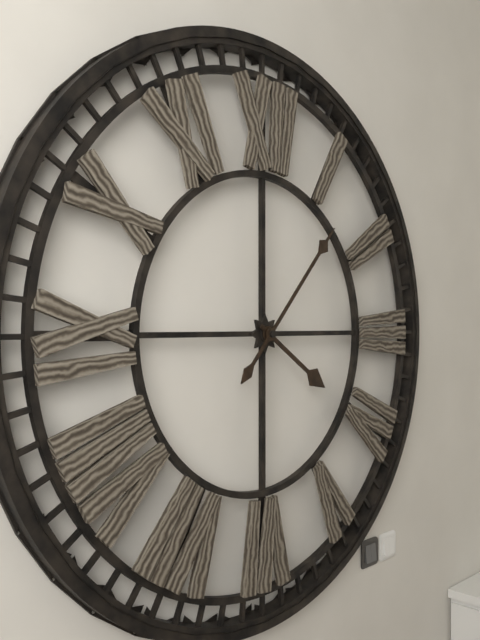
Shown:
4,07
